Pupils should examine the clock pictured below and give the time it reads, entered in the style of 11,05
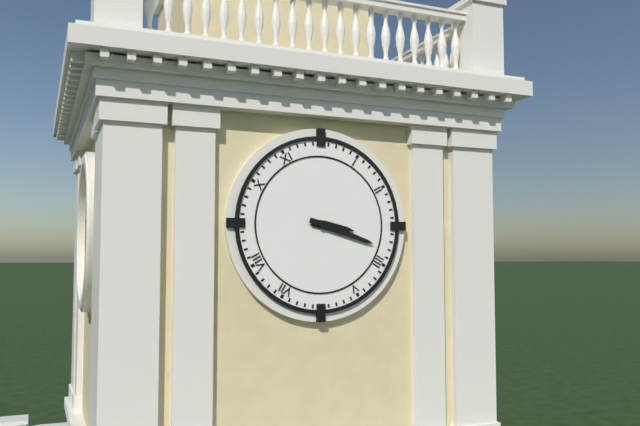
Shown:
3,18
